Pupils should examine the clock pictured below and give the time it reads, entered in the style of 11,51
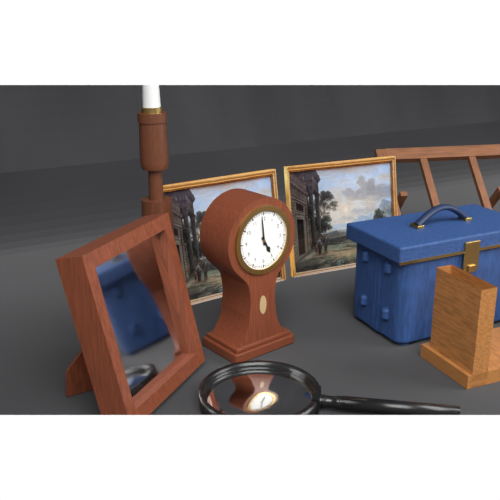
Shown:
4,59
